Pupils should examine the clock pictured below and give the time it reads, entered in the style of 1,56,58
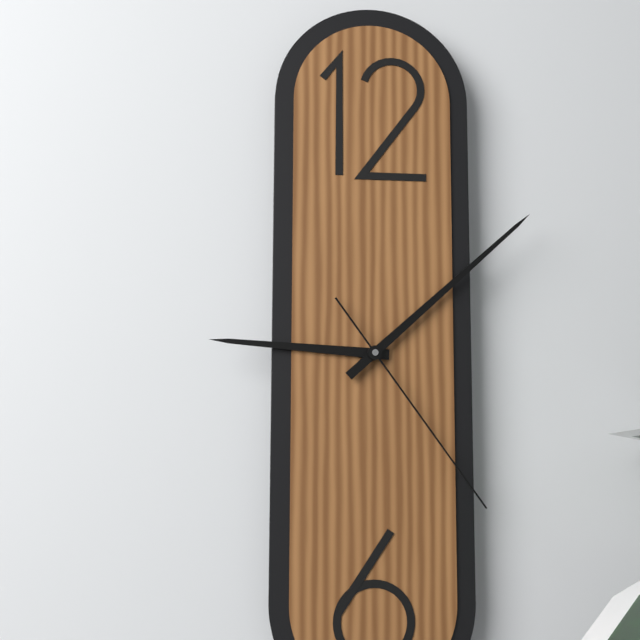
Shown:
9,08,24
